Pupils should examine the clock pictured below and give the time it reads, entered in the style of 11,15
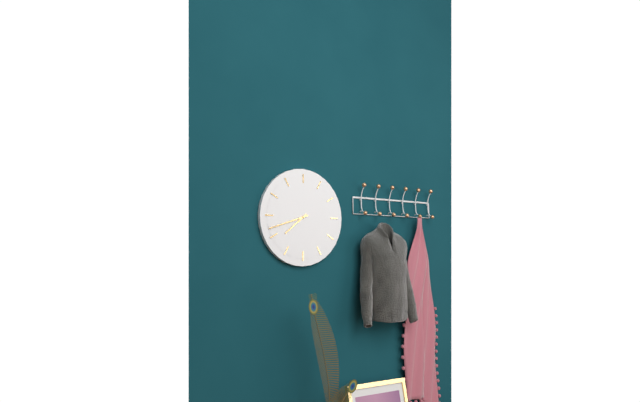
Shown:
7,42
